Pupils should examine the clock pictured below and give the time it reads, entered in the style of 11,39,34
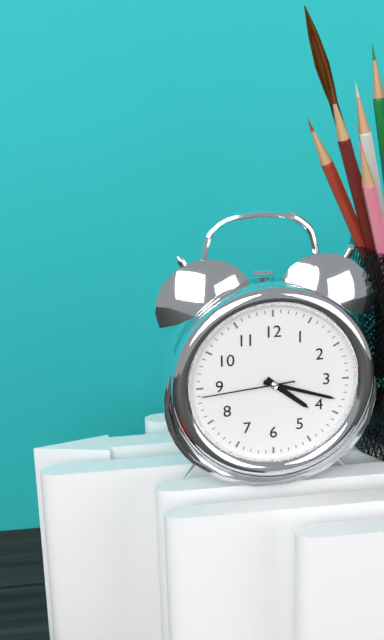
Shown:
4,18,44
